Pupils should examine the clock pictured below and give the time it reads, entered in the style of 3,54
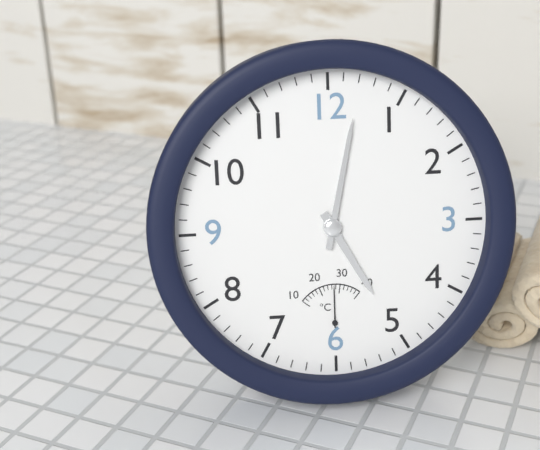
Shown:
5,02
